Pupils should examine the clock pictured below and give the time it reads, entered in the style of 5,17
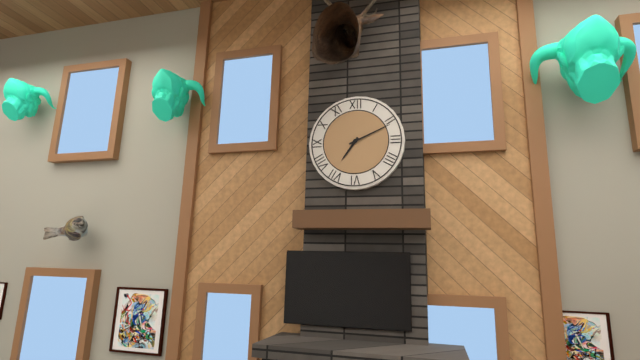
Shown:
7,11
